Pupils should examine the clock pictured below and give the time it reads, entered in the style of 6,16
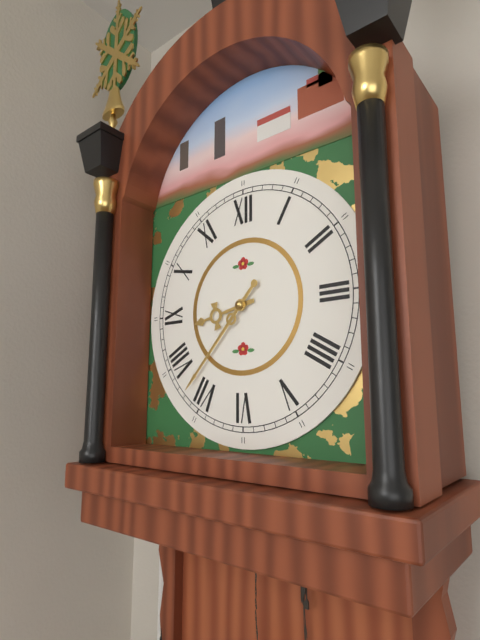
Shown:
8,37
